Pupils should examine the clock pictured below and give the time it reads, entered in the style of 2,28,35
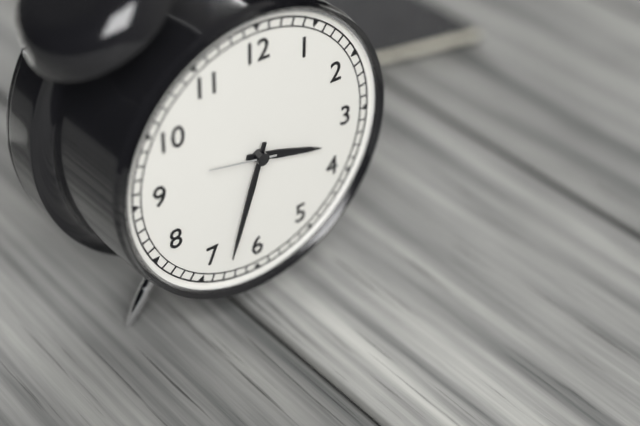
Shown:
3,33,47
